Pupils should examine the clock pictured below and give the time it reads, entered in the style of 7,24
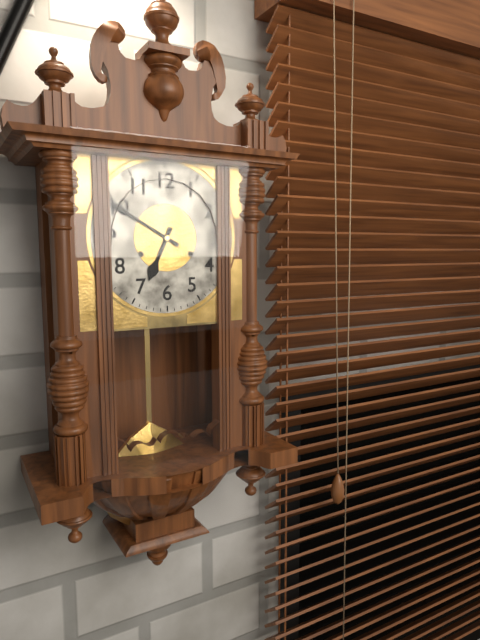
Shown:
6,50
